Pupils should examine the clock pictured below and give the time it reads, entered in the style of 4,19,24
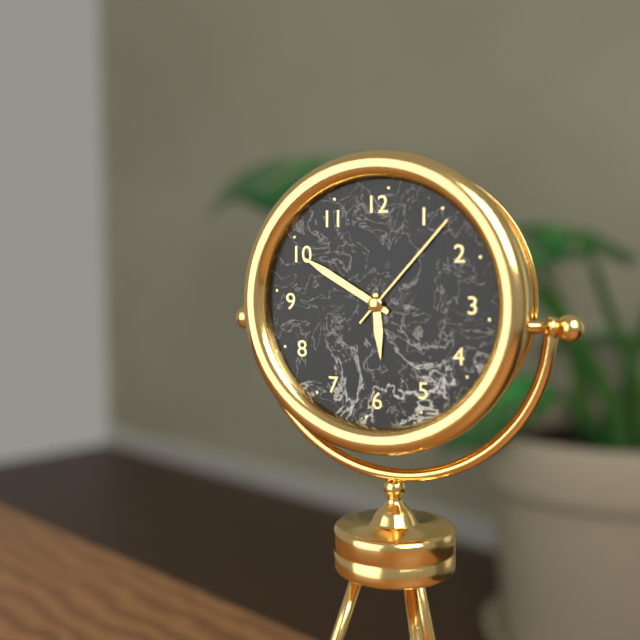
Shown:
5,50,07
